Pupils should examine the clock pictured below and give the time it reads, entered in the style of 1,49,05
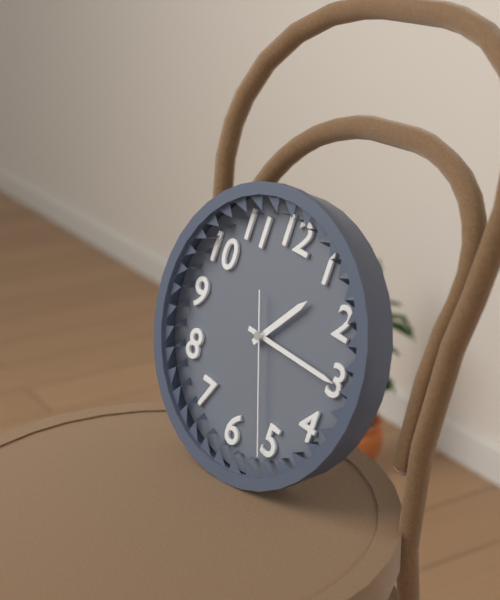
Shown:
1,15,26
